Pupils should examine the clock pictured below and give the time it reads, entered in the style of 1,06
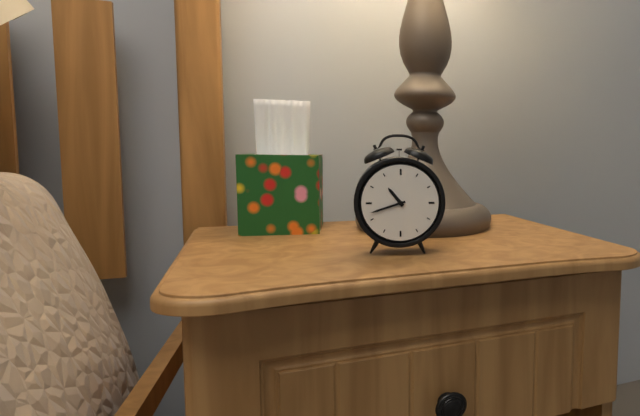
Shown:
10,42
